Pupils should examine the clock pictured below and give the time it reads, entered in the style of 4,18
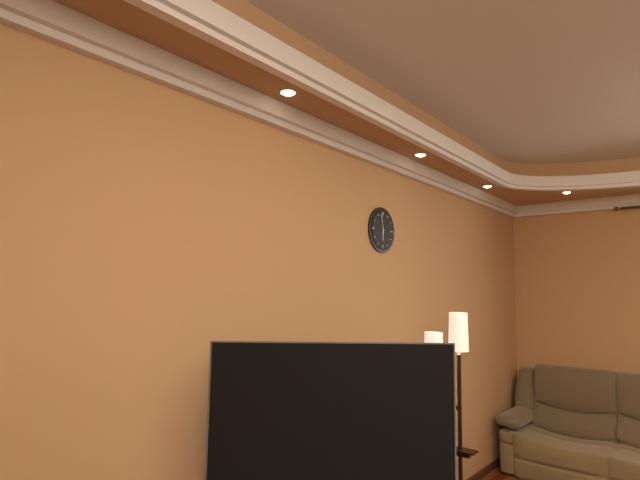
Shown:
5,58
